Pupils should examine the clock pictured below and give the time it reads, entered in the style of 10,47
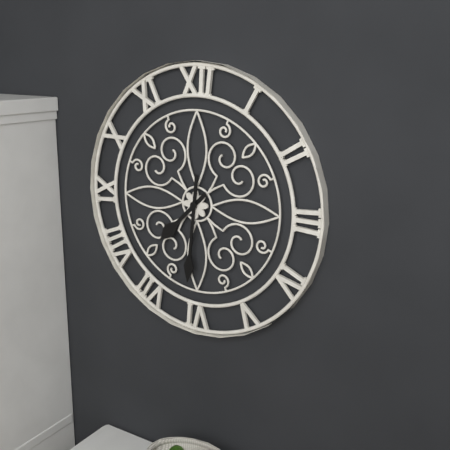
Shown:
7,31
